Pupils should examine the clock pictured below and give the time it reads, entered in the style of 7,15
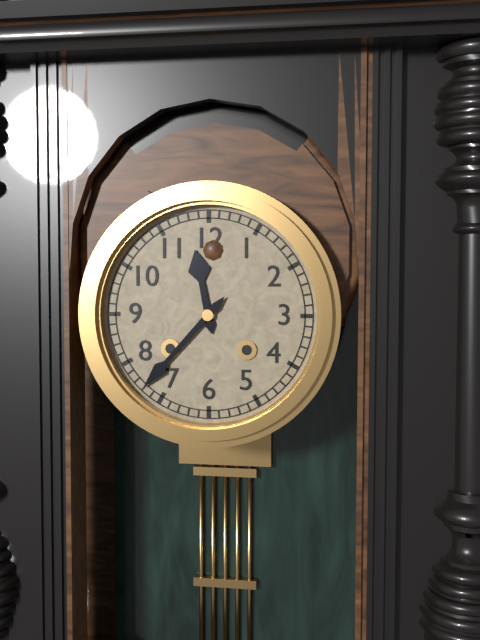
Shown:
11,37
